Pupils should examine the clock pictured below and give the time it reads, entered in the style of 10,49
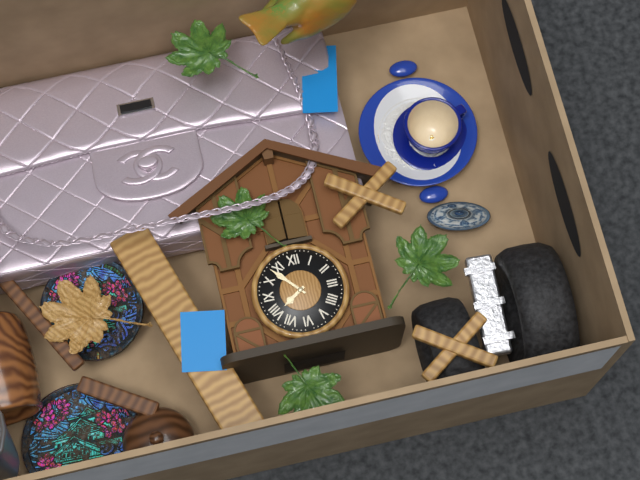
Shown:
7,53
